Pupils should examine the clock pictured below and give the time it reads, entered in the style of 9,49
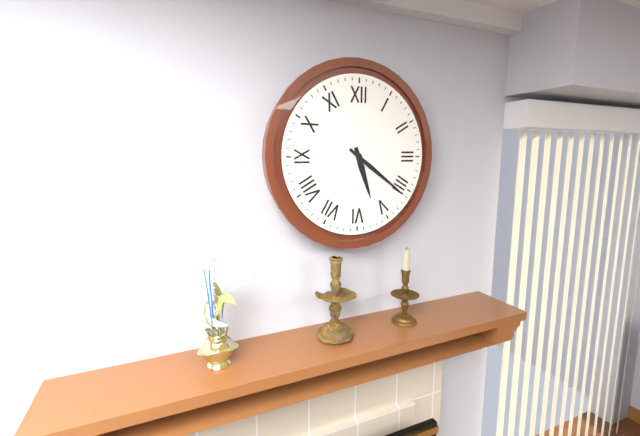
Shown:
5,21
